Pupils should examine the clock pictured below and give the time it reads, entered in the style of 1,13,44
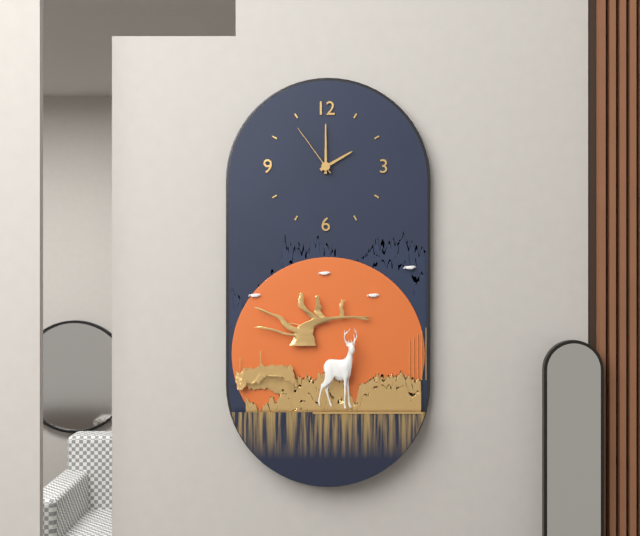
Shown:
2,00,54
